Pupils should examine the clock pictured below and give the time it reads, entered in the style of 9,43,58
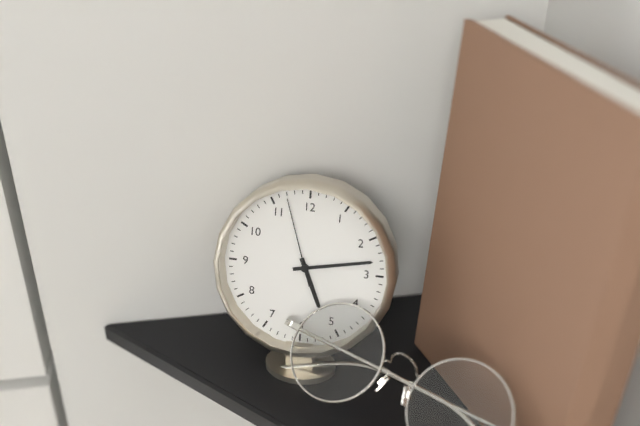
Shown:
5,13,57
